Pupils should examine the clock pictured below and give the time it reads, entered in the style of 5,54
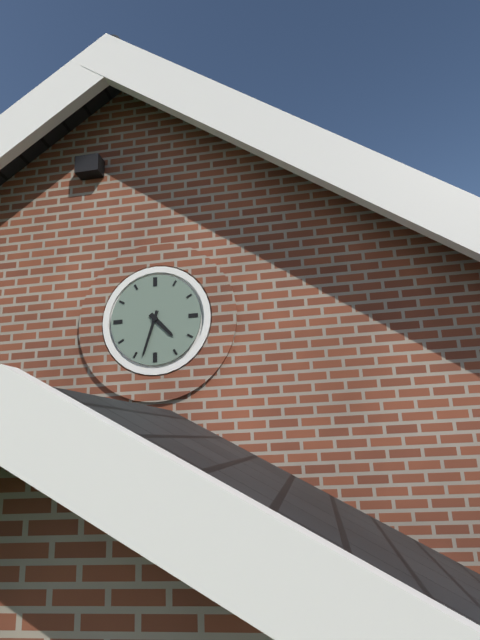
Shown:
4,33
